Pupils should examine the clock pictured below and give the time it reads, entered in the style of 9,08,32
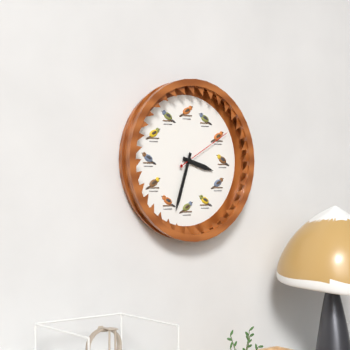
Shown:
3,33,10
